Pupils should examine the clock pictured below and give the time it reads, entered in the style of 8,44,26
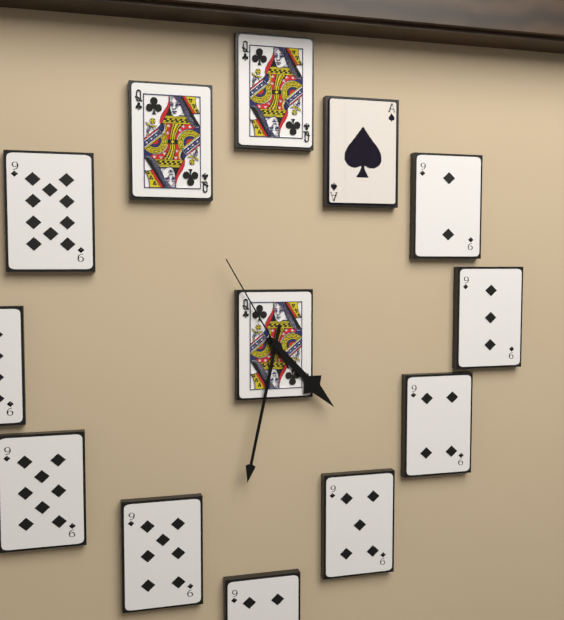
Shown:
4,32,55
